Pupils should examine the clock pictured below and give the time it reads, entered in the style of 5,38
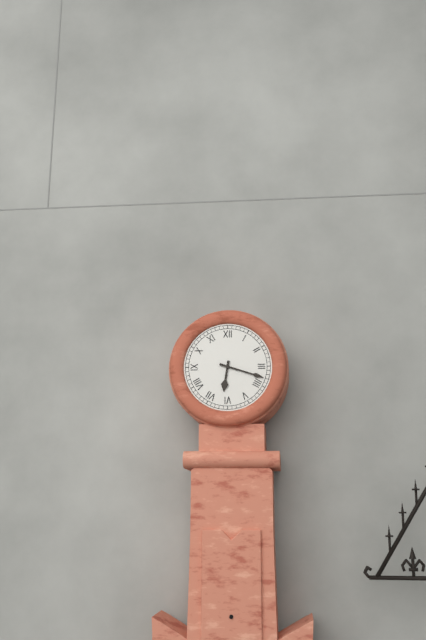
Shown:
6,18
